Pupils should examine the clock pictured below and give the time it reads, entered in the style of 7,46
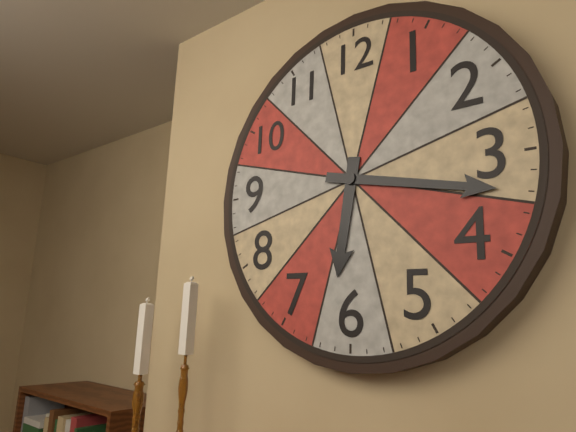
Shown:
6,17
